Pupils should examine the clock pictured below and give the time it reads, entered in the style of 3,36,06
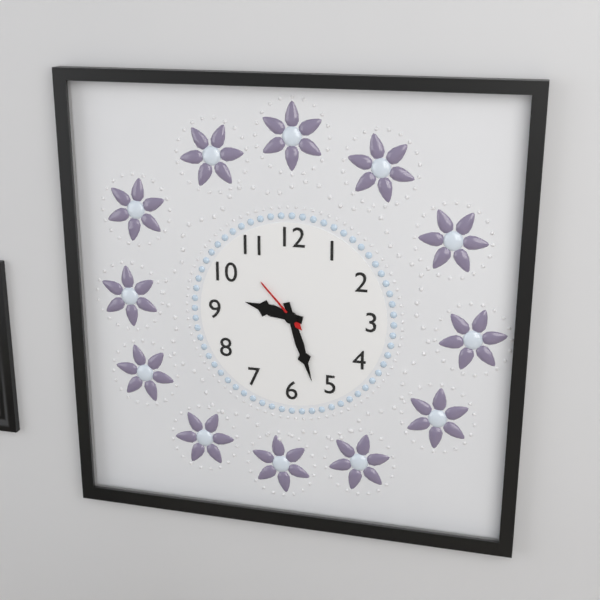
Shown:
9,27,53
